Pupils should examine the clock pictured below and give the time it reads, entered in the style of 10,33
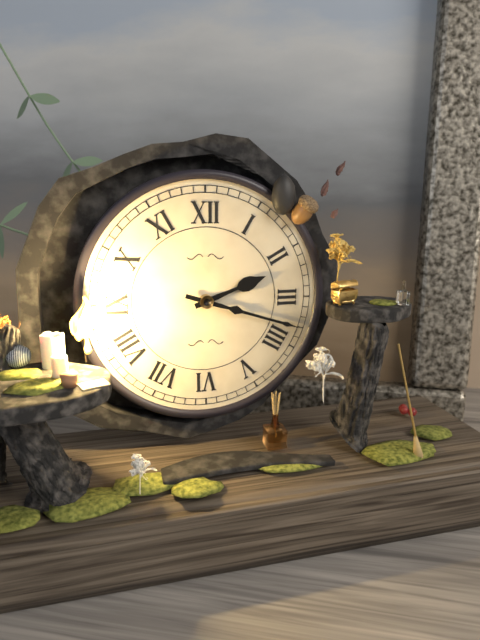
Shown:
2,18
